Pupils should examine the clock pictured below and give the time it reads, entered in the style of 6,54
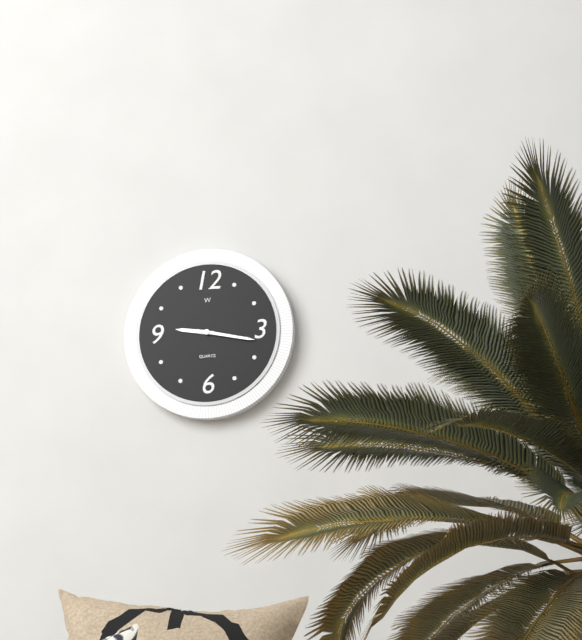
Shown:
9,17
